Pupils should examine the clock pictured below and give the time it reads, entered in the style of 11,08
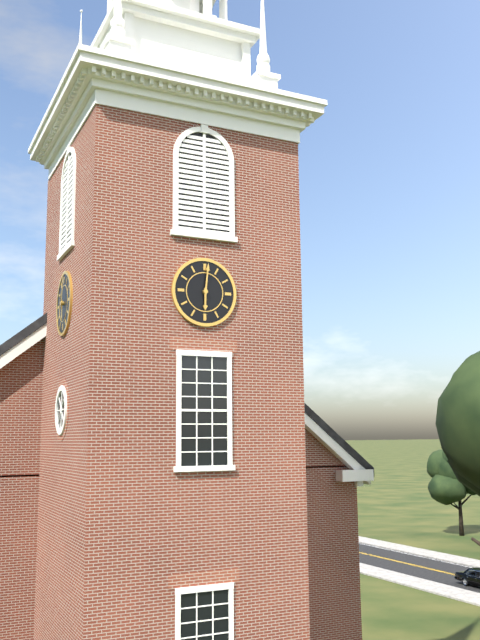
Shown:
6,01
